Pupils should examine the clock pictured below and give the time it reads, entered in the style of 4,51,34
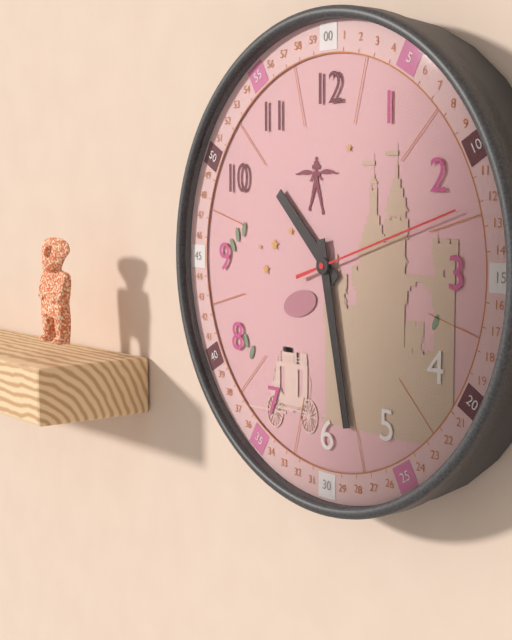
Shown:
10,28,12
